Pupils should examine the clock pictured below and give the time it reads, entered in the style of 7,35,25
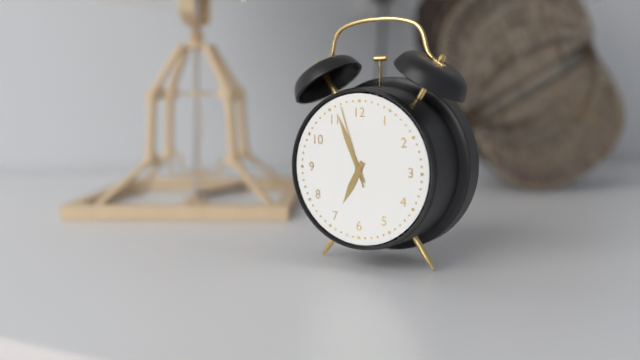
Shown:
6,56,57
